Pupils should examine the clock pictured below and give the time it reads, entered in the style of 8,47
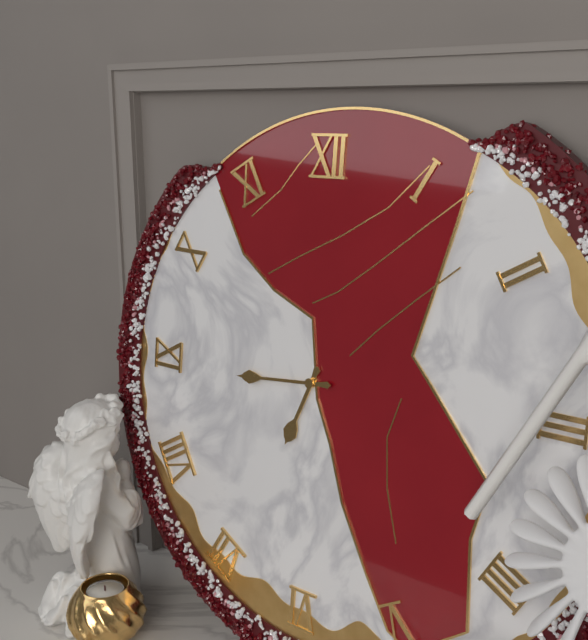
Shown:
6,44
